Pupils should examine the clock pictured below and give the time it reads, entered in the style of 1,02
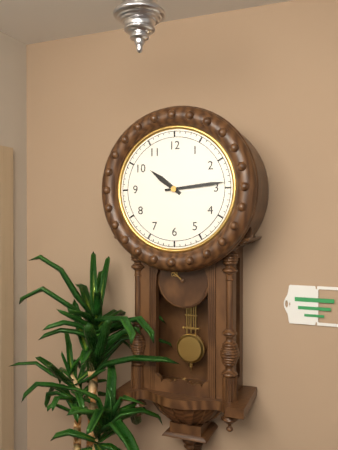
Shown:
10,14
